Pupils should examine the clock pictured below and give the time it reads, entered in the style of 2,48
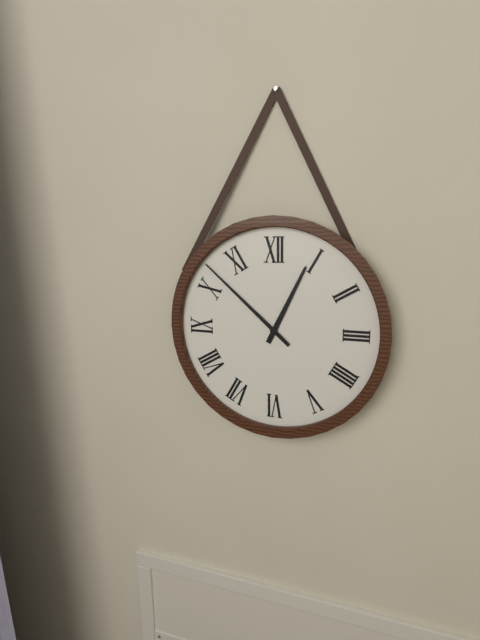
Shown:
12,52
